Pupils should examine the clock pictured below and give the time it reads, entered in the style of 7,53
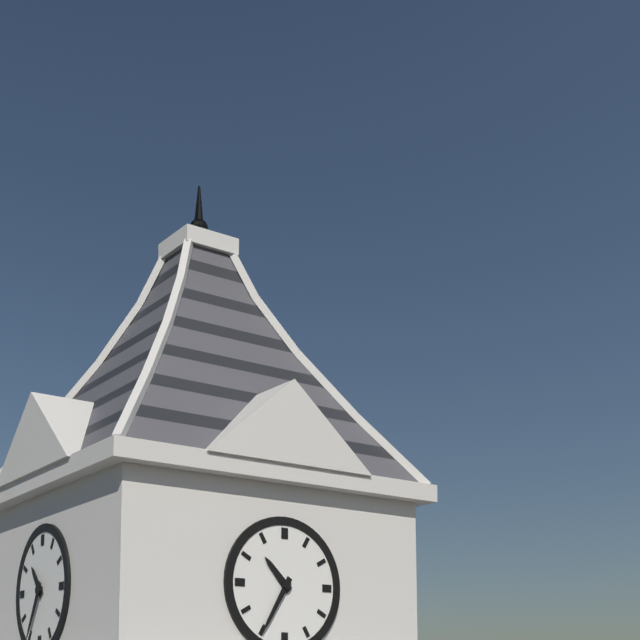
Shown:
10,35
